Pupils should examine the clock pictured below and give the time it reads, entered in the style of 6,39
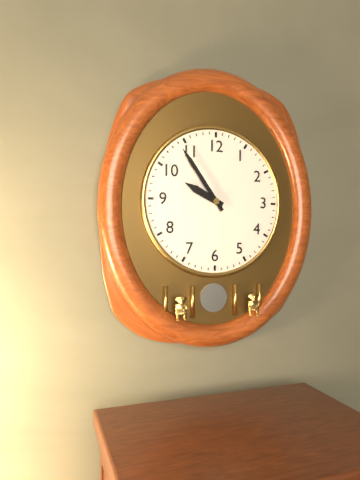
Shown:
9,54
